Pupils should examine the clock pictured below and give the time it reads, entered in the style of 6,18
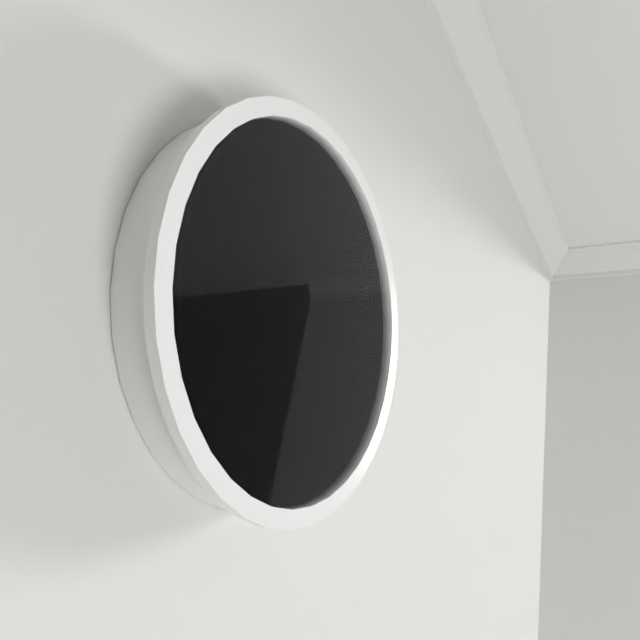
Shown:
8,41
